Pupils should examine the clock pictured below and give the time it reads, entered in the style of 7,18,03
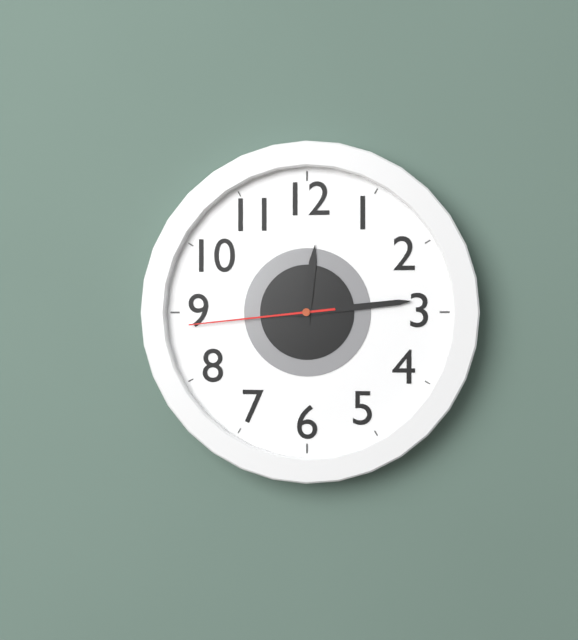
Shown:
12,14,44
